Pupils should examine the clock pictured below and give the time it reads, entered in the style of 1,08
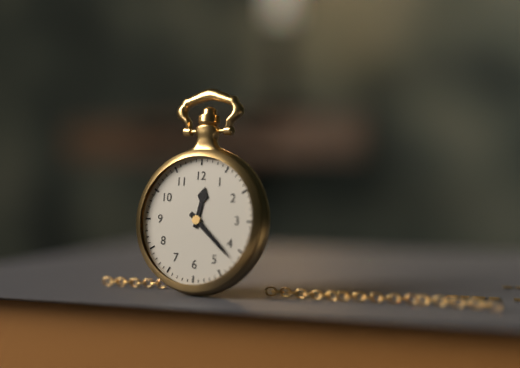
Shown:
12,22
